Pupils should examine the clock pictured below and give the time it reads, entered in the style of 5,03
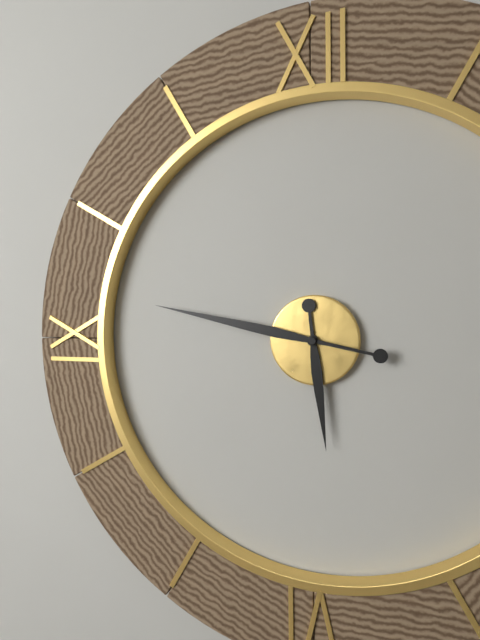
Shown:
5,47
